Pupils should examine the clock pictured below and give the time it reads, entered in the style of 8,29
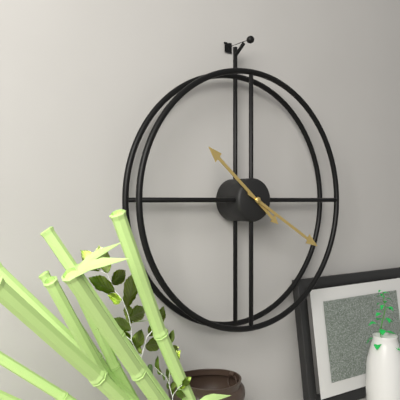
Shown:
10,20
